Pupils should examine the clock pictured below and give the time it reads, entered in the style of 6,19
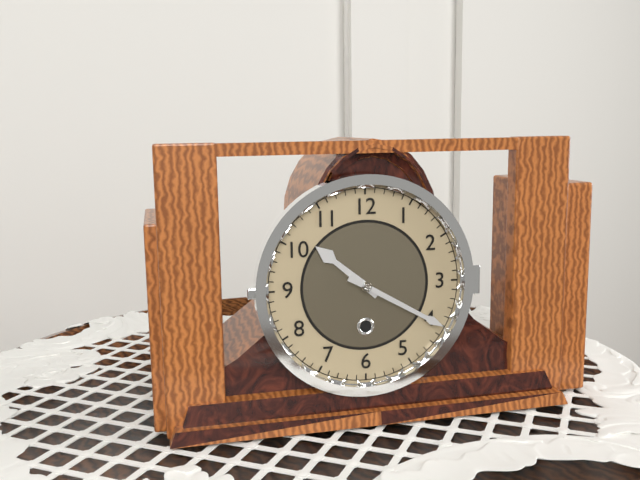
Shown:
10,20
